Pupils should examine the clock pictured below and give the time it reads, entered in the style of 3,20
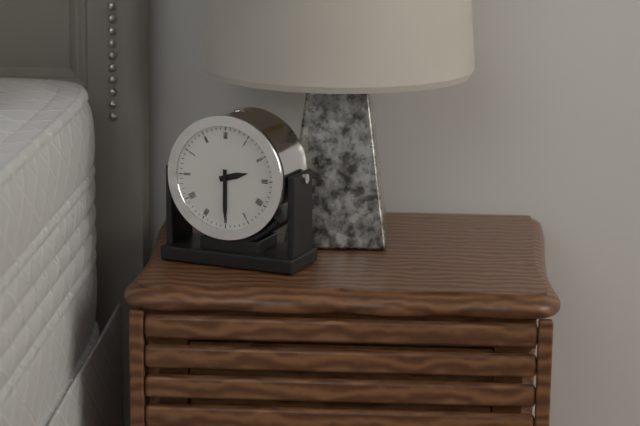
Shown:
2,30
